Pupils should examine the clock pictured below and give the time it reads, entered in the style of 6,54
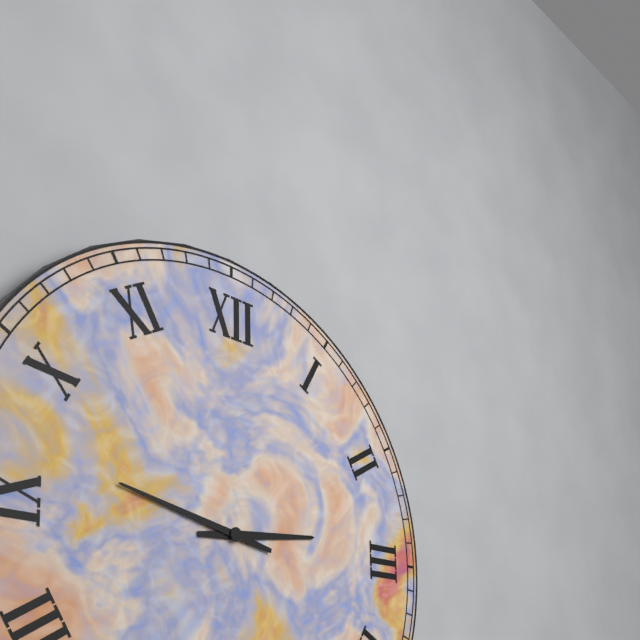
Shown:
2,47
